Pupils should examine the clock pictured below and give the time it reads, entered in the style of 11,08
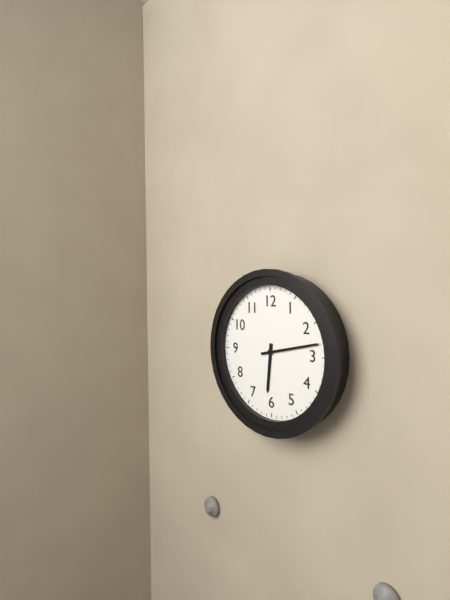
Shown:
6,13
